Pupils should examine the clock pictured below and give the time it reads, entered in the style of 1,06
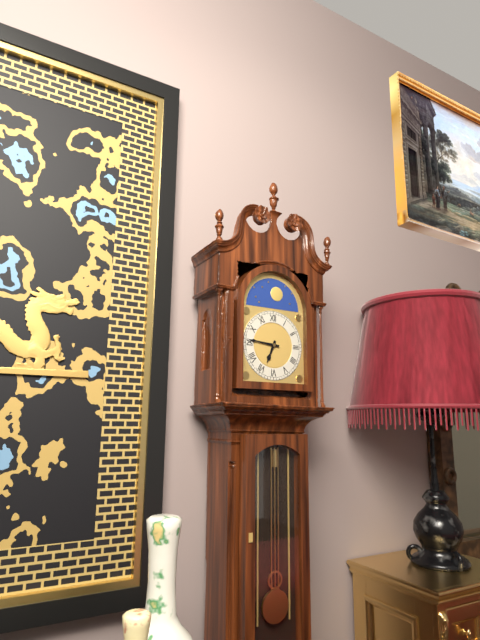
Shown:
6,46
